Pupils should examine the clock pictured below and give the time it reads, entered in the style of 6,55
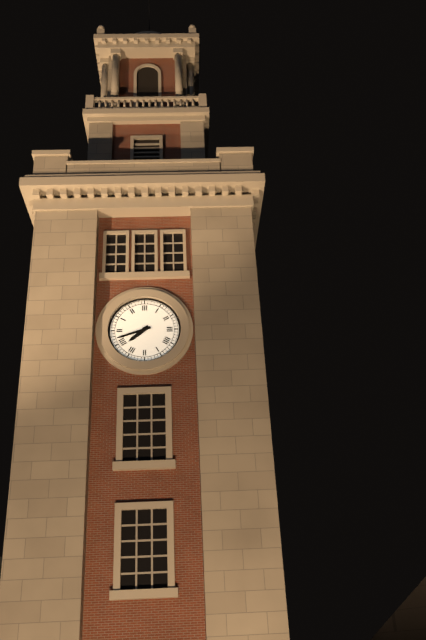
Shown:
7,42
